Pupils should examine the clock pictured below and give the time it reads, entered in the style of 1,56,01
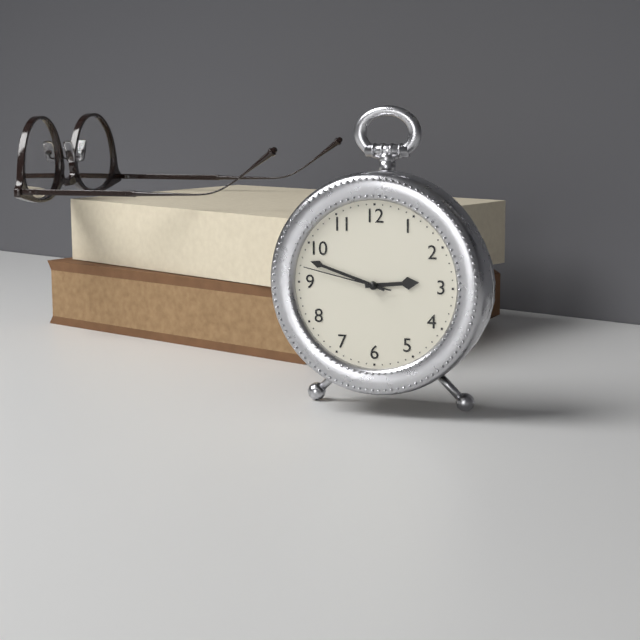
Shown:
2,48,47
